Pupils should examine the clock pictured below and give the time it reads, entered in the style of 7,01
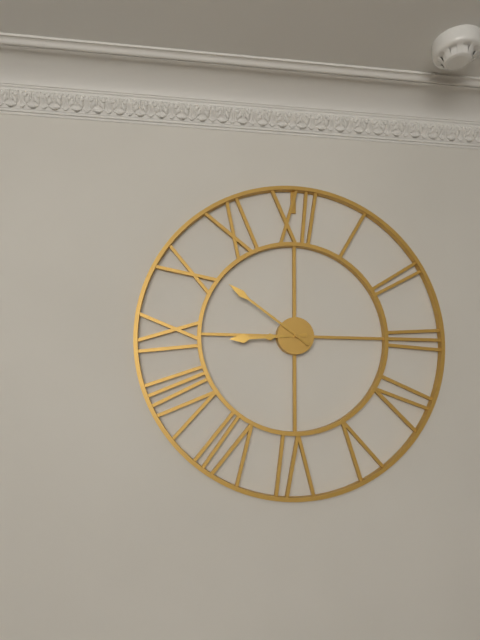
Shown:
8,51
